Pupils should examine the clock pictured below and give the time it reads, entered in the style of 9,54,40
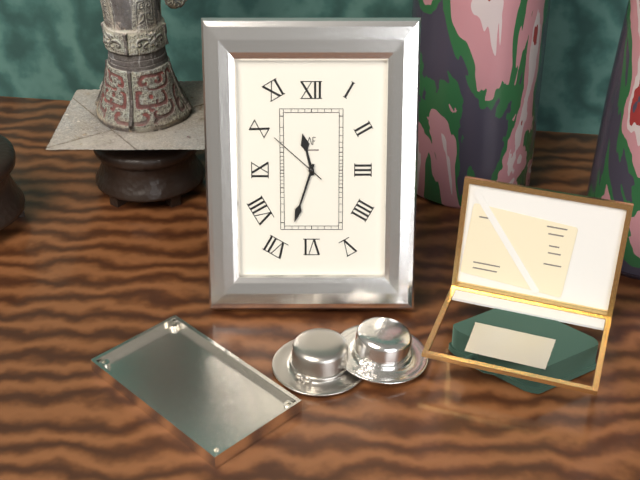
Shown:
11,33,52
